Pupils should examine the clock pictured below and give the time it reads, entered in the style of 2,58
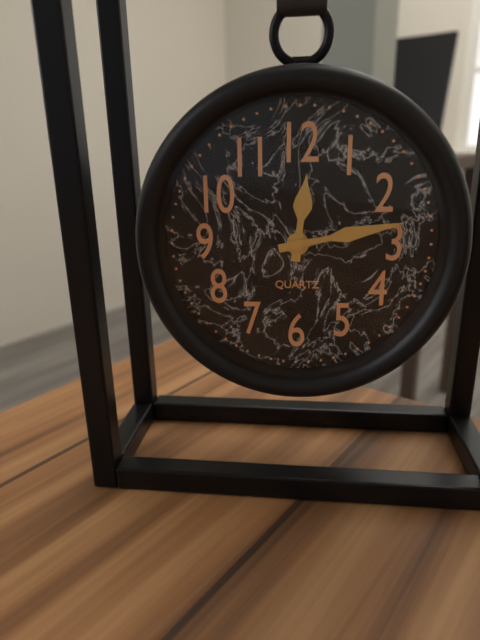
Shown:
12,13
